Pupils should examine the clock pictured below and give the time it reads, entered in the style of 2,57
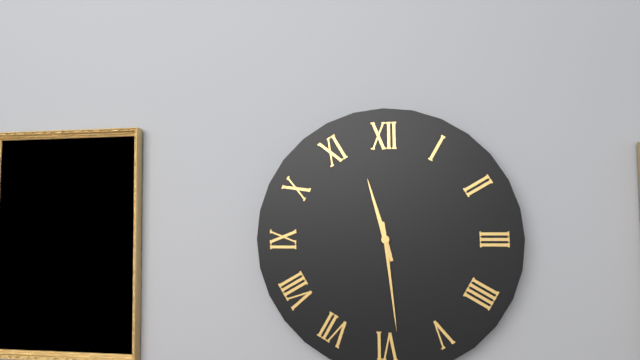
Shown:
11,29
